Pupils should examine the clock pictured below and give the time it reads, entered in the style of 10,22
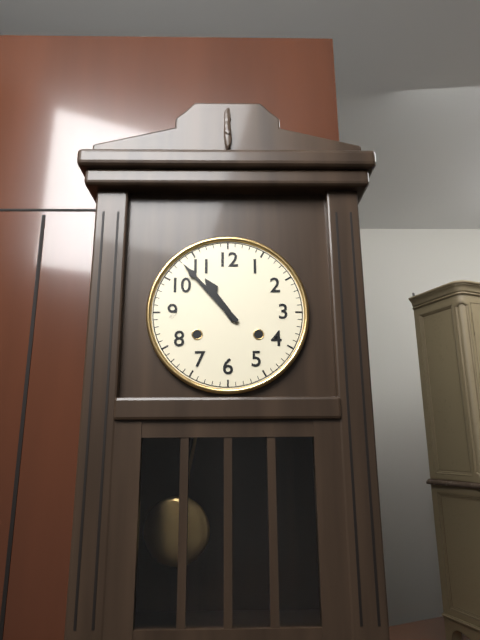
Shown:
10,53
